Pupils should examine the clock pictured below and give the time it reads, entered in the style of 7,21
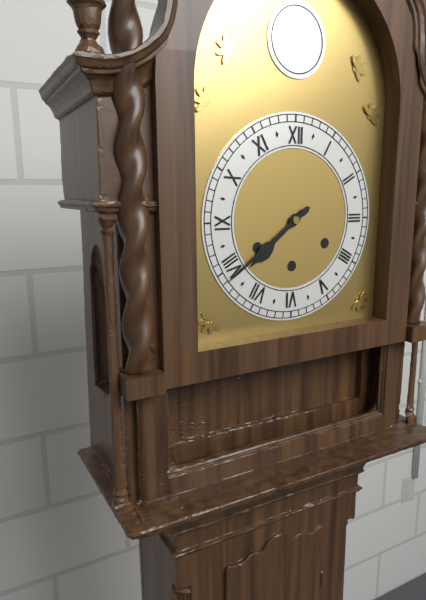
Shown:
7,39
